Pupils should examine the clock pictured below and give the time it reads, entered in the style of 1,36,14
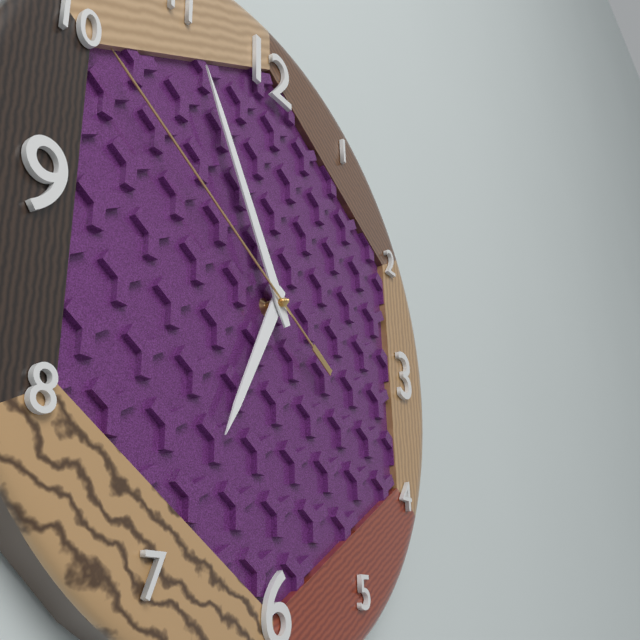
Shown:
6,55,50
